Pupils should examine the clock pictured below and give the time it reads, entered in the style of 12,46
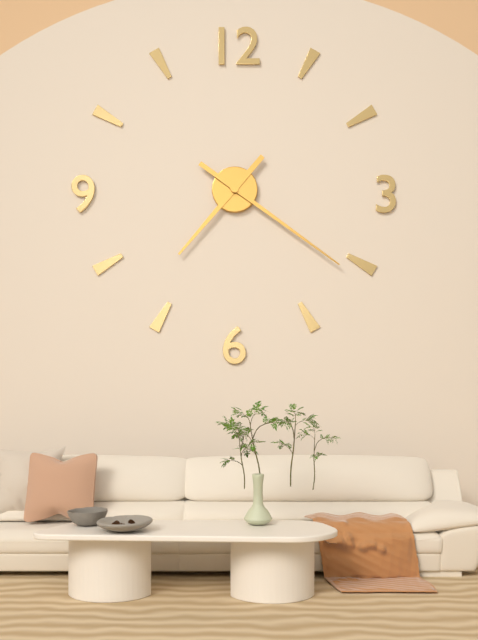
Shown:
7,21
